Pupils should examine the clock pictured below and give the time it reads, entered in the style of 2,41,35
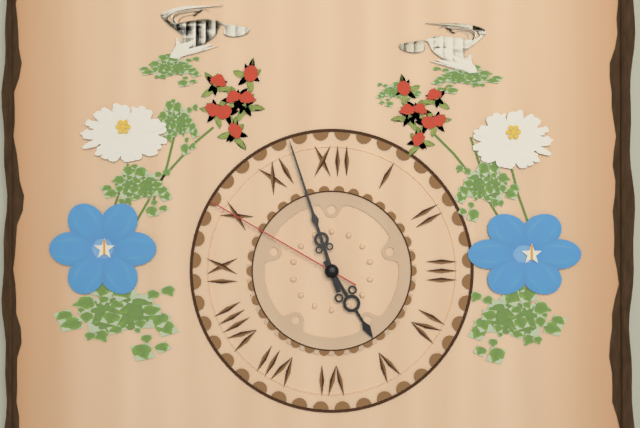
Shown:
4,57,50
